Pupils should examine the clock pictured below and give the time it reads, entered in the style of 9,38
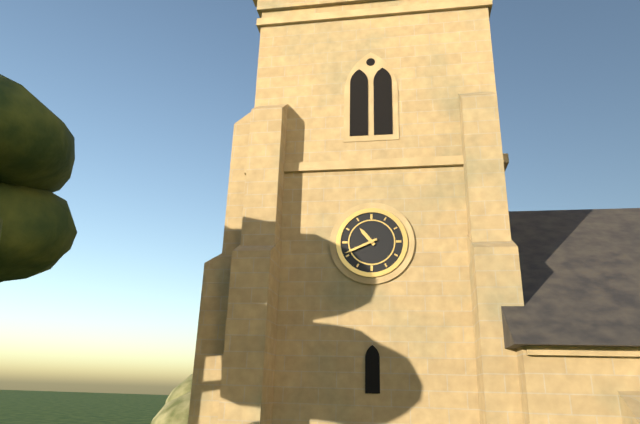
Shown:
10,41
